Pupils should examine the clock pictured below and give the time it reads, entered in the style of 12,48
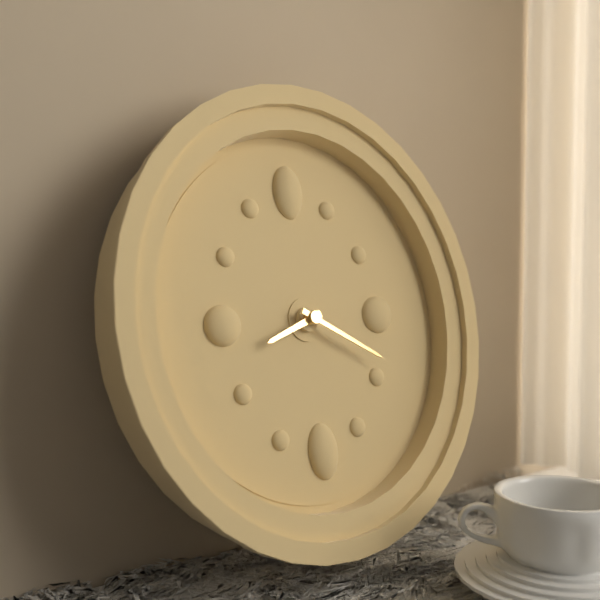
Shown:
8,20
